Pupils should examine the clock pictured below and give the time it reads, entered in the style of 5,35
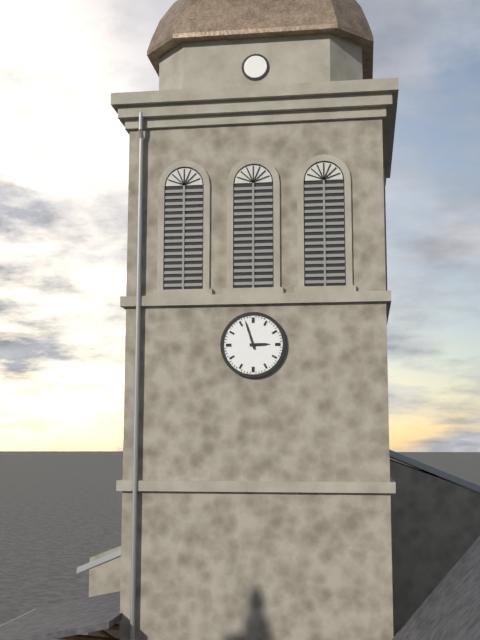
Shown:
2,57
